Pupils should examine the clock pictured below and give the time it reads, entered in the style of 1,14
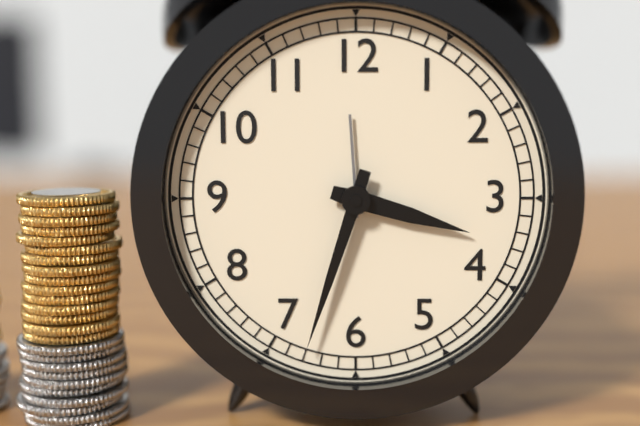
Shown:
3,33
